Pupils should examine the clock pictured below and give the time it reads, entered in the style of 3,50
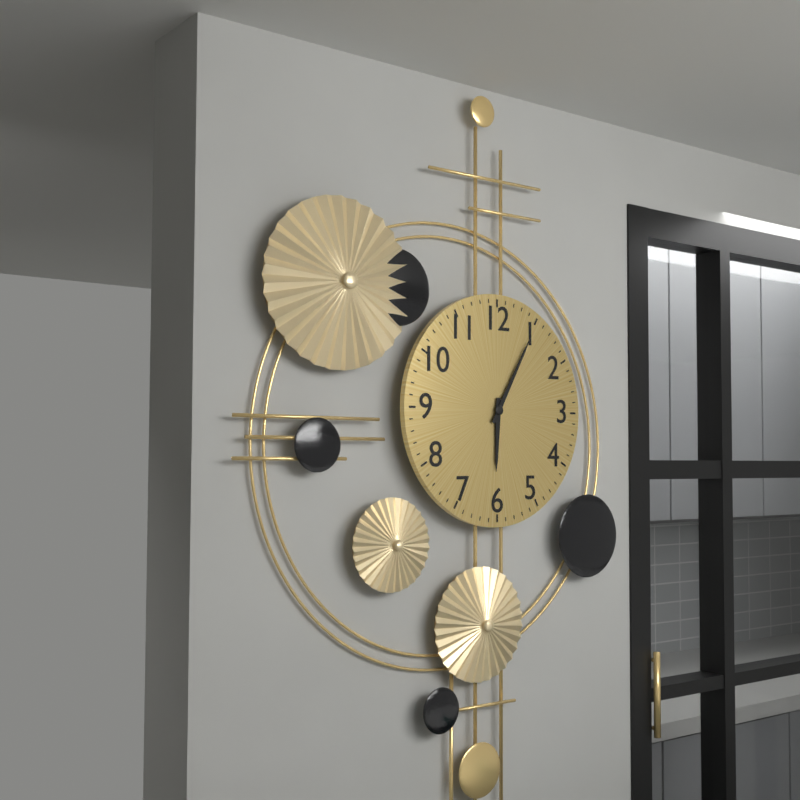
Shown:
6,05
